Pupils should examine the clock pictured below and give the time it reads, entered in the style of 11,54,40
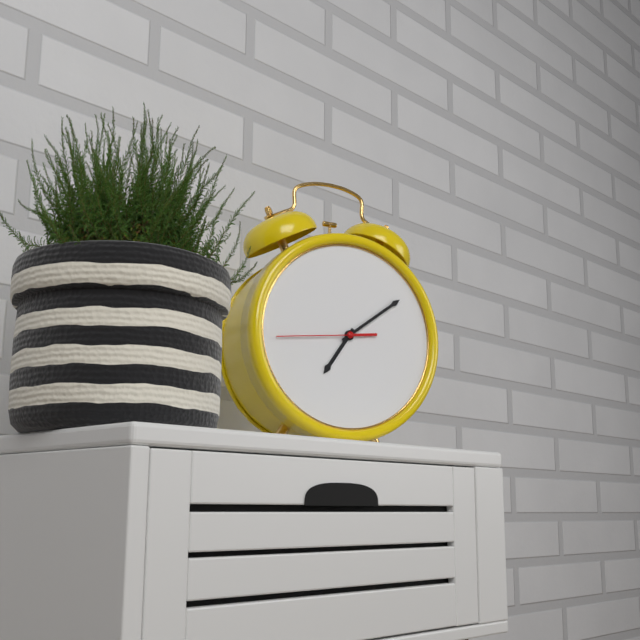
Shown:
7,09,44
